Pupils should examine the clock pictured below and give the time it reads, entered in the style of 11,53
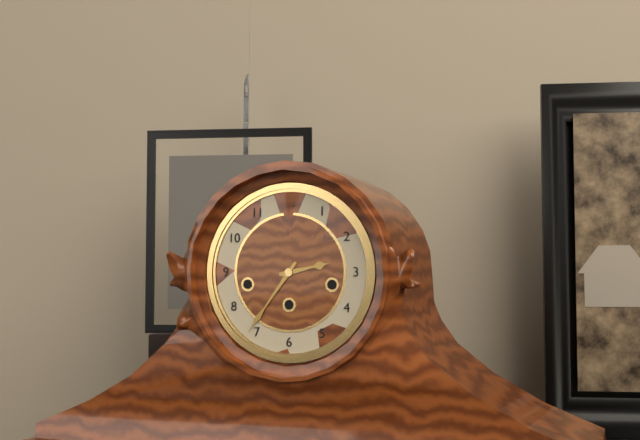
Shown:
2,36
